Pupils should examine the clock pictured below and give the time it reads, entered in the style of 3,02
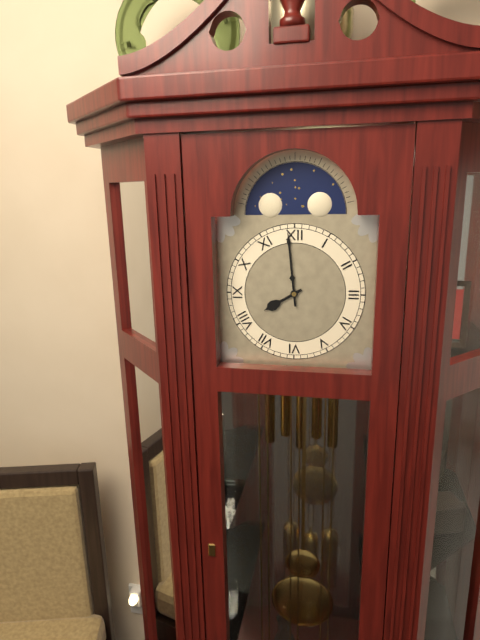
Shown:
7,59
